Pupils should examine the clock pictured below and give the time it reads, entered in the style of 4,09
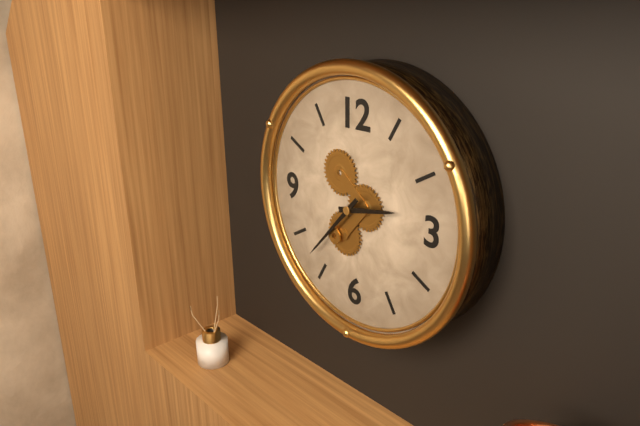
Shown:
2,37
